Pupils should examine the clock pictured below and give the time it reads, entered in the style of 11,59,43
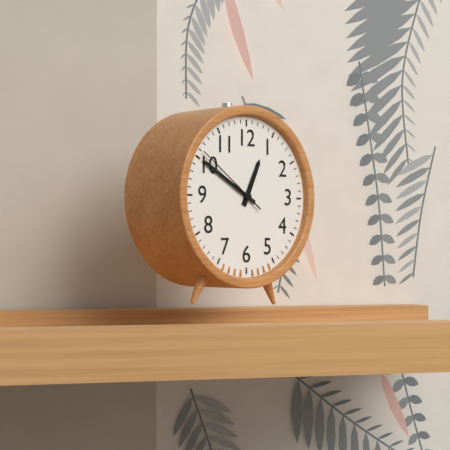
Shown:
12,50,51
